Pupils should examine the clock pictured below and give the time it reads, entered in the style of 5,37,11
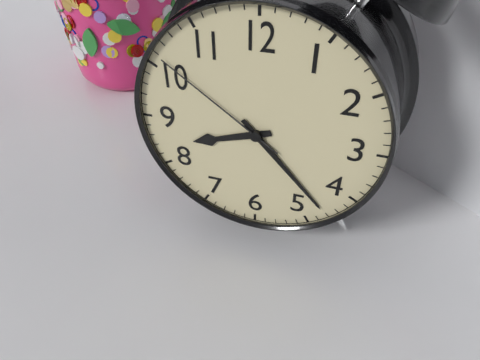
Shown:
8,23,51
